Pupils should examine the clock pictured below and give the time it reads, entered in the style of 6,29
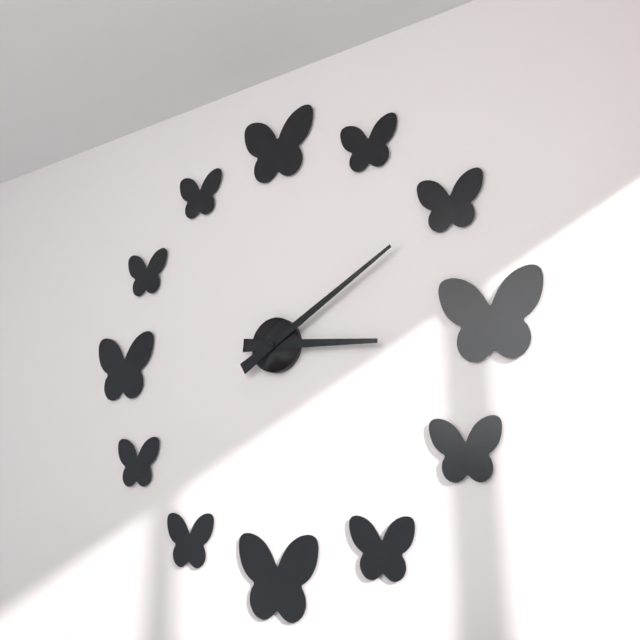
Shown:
3,10
